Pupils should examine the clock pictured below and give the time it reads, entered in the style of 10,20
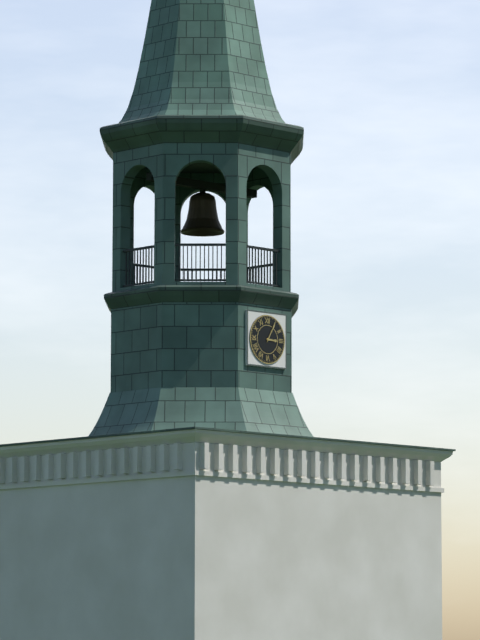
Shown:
3,05
